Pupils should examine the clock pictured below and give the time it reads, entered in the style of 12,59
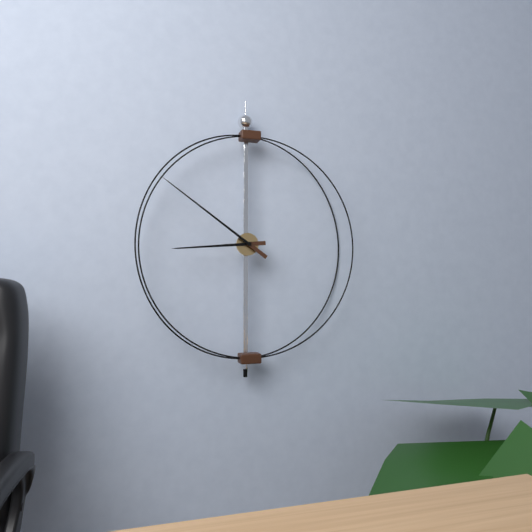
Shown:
8,51
